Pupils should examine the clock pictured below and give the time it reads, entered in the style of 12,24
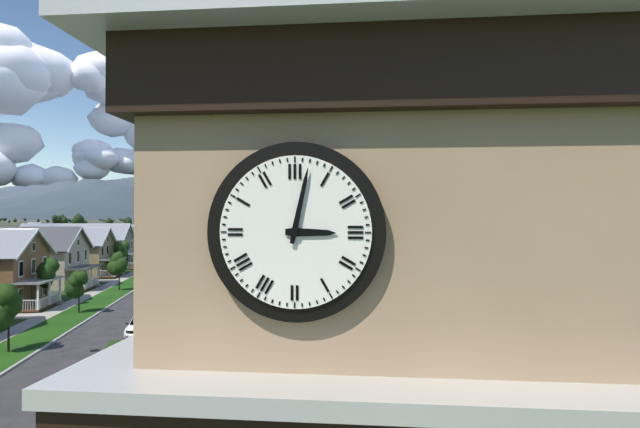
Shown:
3,02
